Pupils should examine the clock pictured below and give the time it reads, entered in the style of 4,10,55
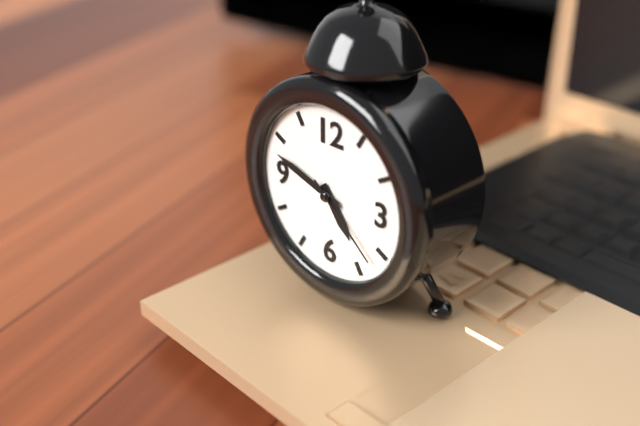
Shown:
4,48,22
